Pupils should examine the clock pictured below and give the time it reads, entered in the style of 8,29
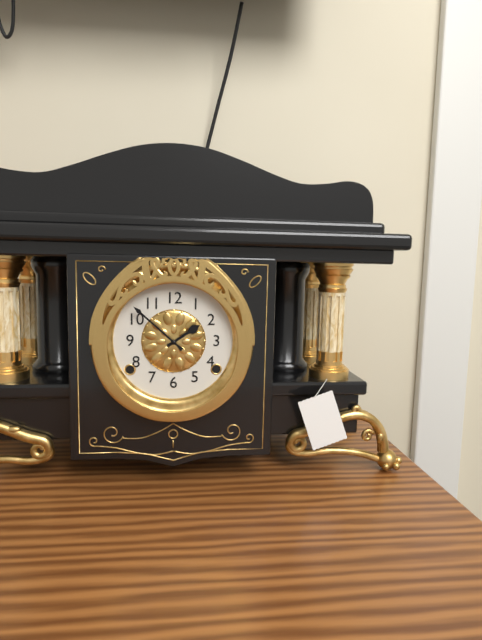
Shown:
1,52
